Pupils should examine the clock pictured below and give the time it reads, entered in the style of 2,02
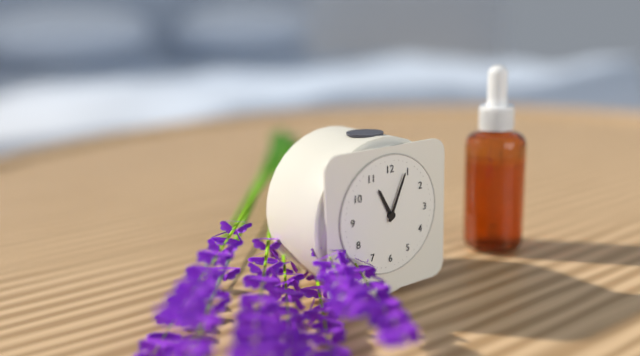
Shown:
11,04
